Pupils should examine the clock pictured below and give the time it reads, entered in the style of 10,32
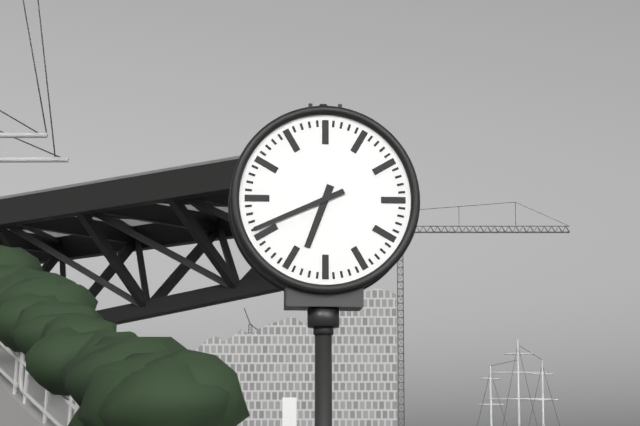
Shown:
6,41
